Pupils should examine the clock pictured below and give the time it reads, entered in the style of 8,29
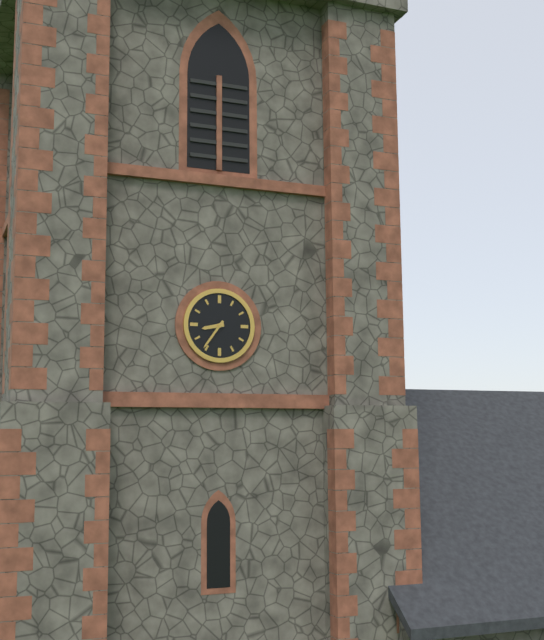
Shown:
8,36
